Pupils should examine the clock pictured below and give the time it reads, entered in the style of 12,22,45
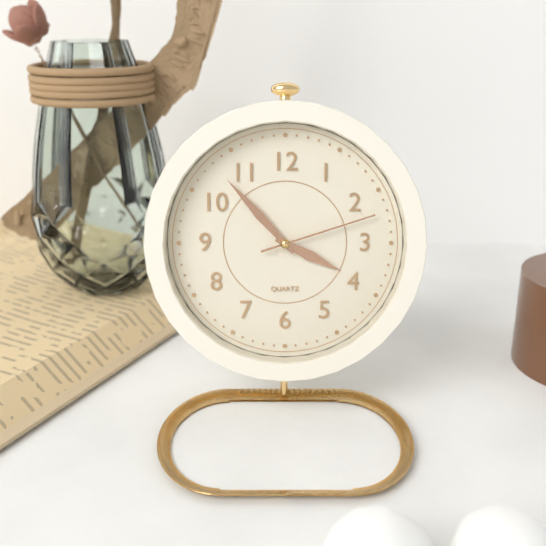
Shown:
3,53,12
